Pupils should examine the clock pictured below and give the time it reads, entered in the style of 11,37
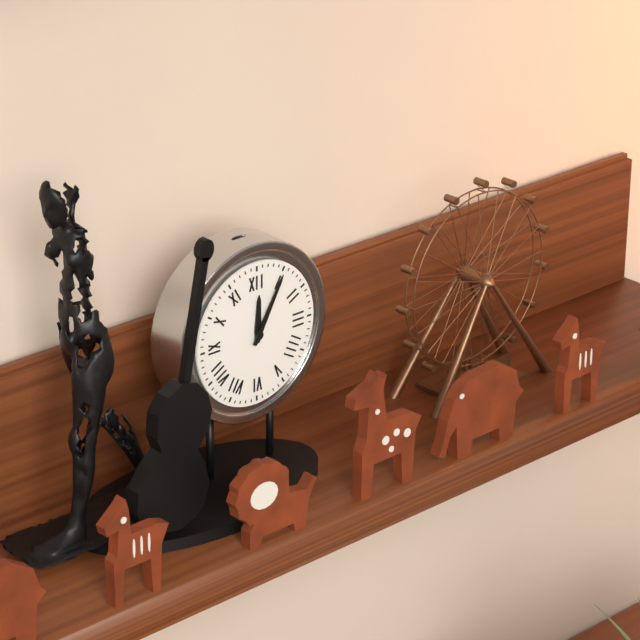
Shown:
12,05
